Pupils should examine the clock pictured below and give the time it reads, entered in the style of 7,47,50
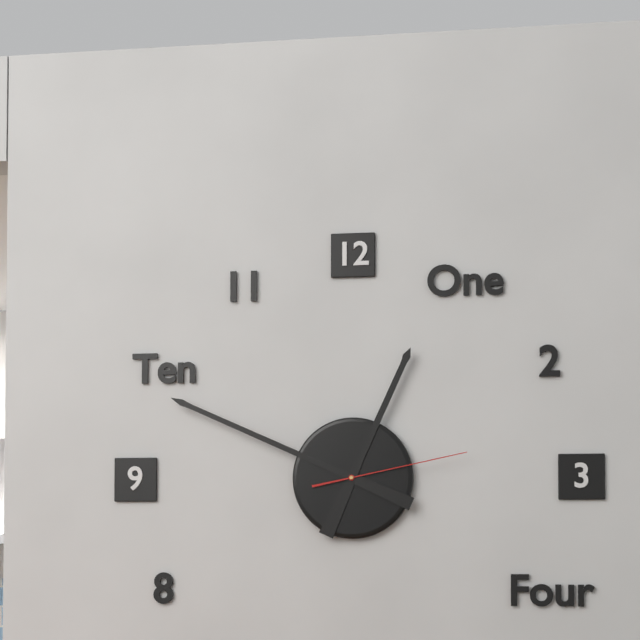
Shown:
12,49,13
